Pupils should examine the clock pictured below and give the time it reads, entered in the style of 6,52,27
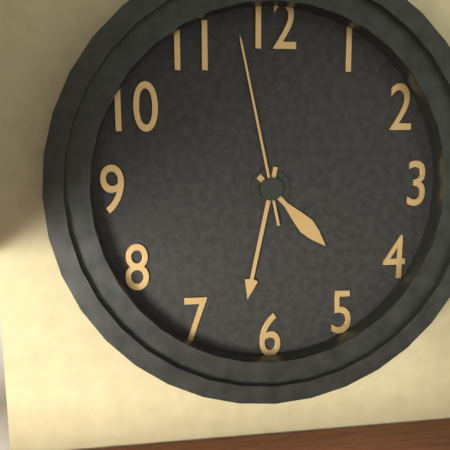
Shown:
4,32,58
